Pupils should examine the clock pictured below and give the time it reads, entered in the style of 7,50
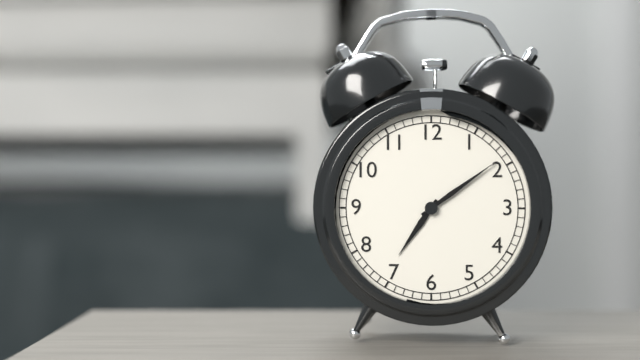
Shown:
7,09
